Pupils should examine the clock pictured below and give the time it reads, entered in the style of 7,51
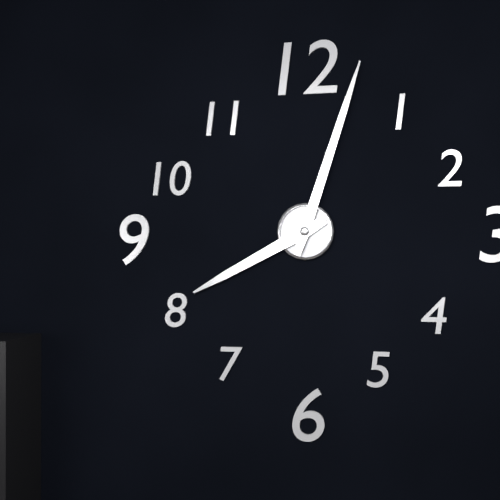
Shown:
8,03
